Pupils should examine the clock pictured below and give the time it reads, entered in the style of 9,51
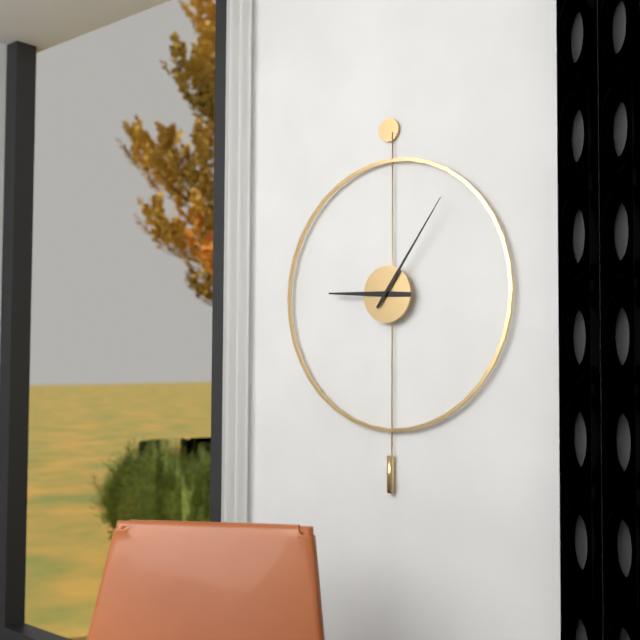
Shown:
9,06
